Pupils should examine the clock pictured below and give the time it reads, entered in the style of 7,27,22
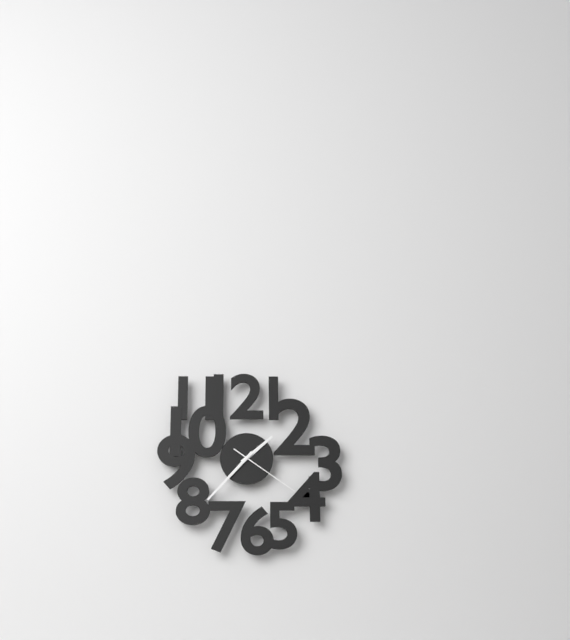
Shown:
1,37,21
